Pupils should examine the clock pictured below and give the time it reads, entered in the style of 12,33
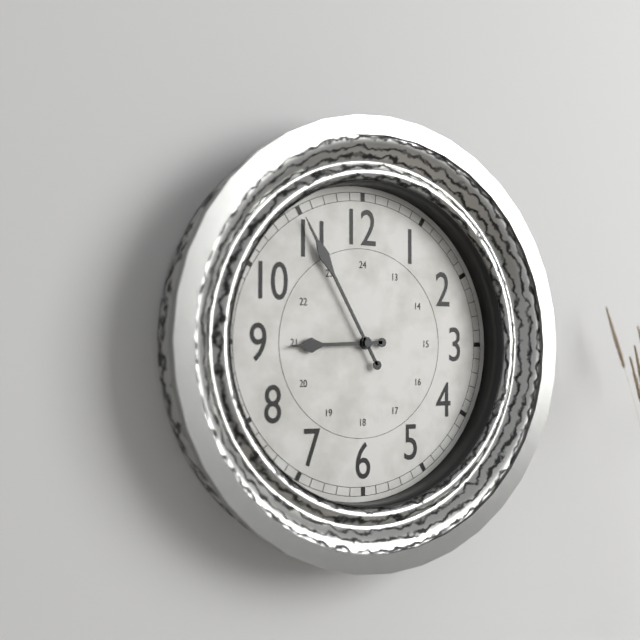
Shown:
8,55
